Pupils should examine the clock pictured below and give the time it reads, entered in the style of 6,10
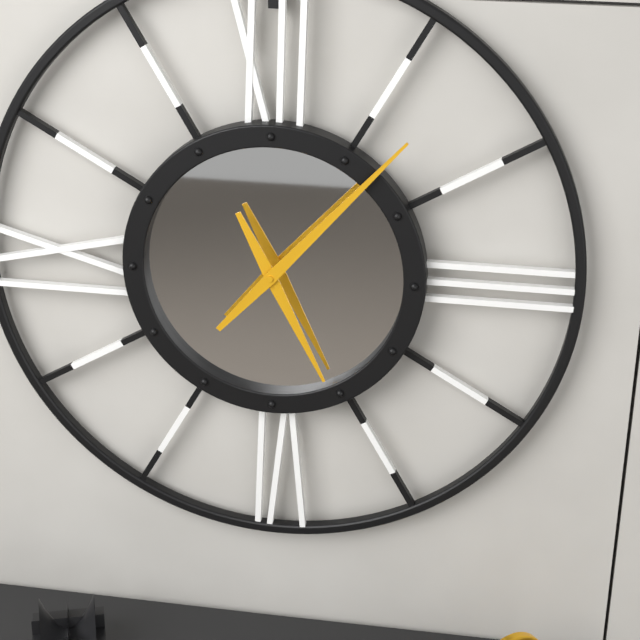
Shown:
5,07
